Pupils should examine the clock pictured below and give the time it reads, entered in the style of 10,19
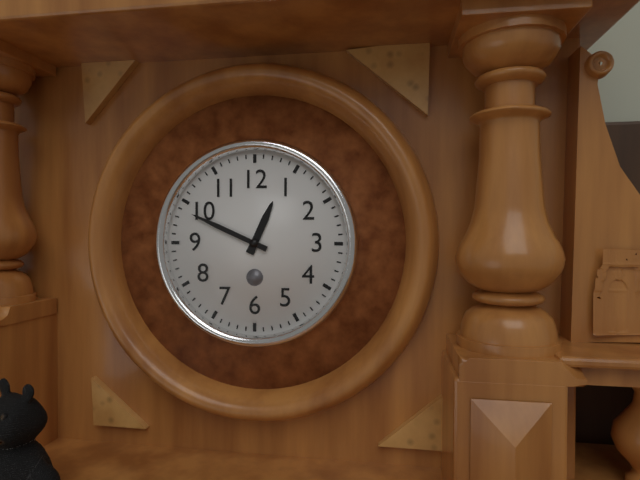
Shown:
12,49
